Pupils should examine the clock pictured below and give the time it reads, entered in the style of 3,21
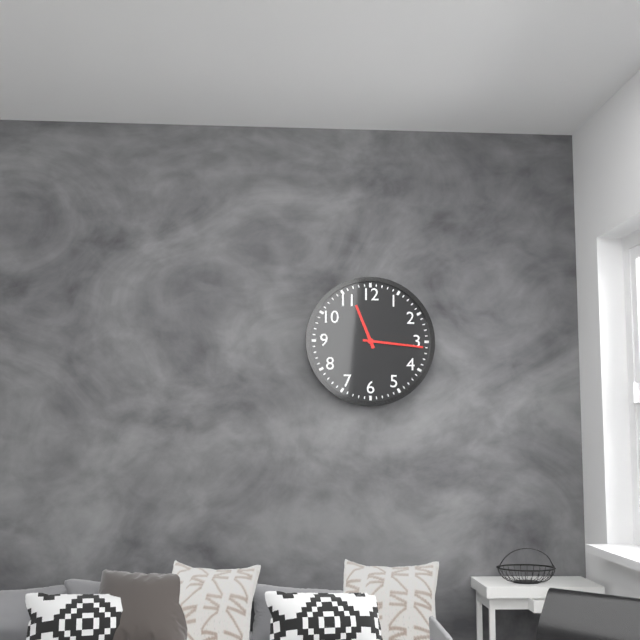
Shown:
11,16
